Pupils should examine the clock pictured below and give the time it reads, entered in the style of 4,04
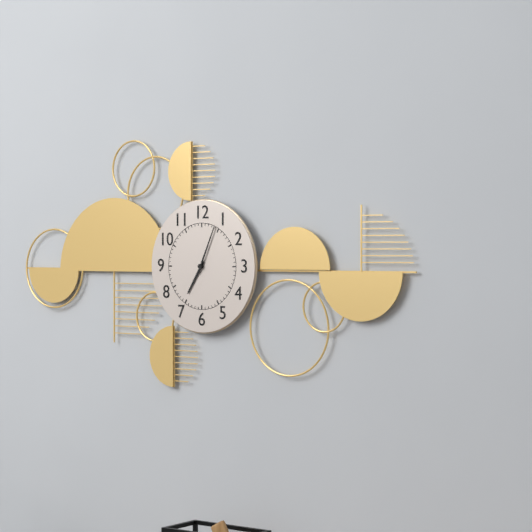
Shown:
7,04
